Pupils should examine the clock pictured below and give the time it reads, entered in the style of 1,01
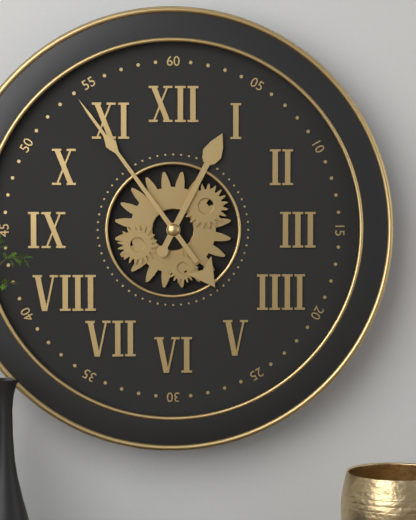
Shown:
12,54
